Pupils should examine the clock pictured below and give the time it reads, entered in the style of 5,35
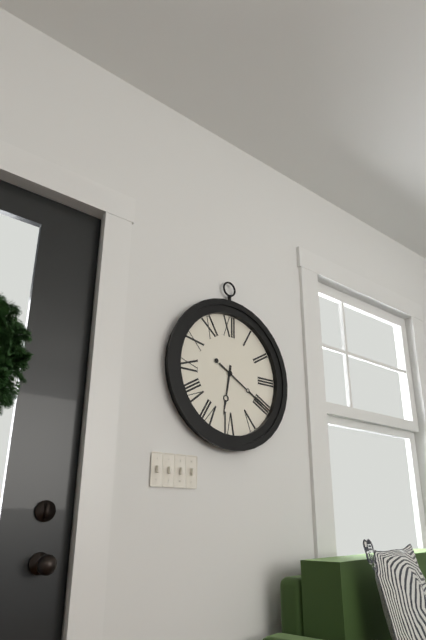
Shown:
6,20
